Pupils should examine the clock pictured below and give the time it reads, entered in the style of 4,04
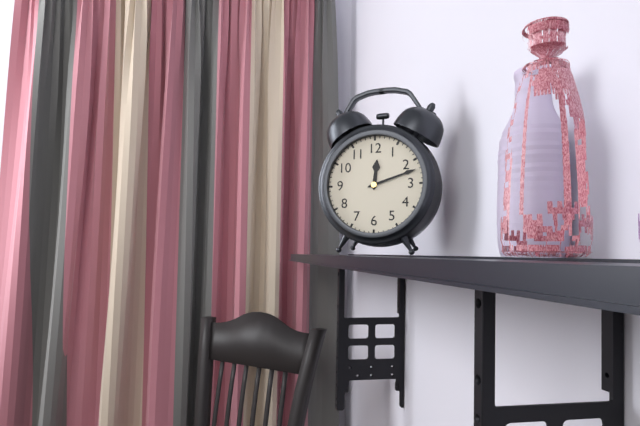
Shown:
12,12
